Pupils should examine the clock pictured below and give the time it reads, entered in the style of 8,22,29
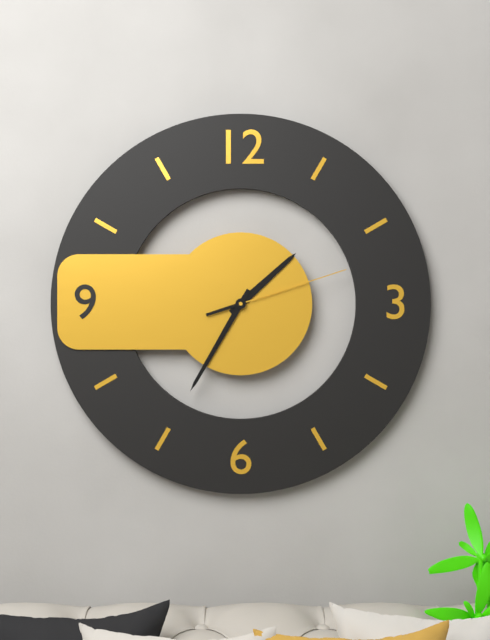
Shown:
1,35,12
